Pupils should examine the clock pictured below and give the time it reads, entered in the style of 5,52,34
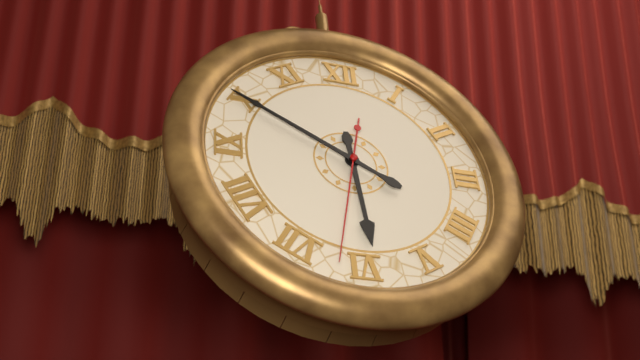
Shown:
5,50,32
